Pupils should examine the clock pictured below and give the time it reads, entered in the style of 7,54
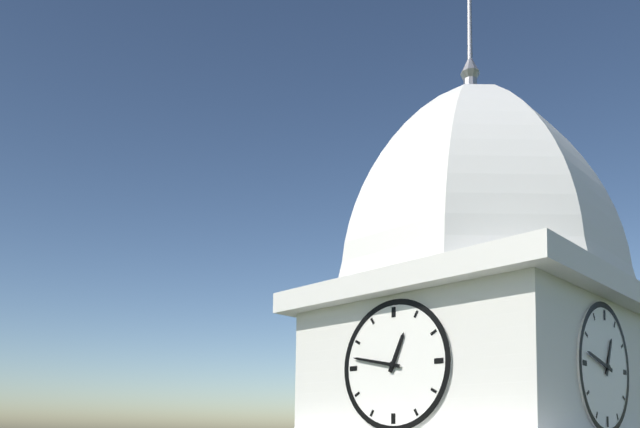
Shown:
12,47
